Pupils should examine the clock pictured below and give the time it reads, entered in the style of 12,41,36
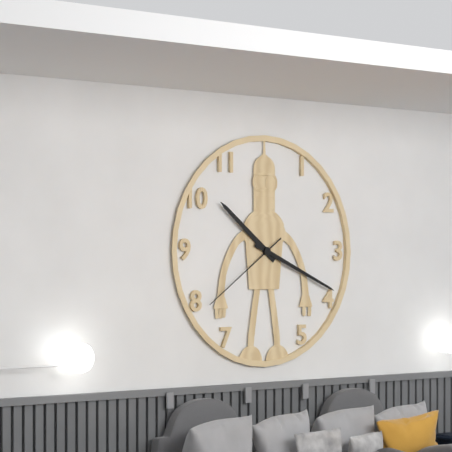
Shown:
10,19,39
